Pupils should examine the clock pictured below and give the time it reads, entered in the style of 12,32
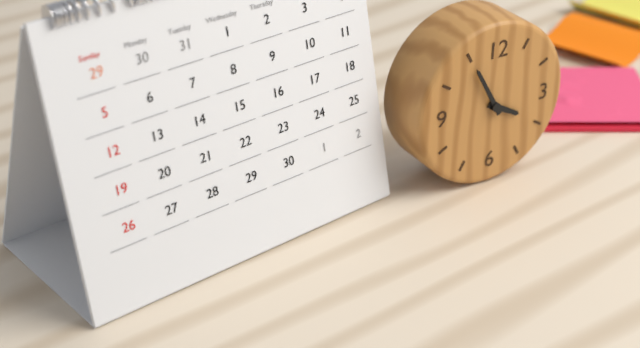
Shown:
3,55
